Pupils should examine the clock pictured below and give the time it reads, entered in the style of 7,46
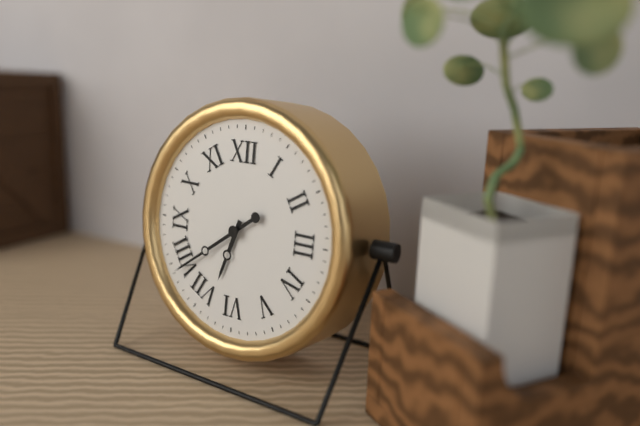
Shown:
6,39
